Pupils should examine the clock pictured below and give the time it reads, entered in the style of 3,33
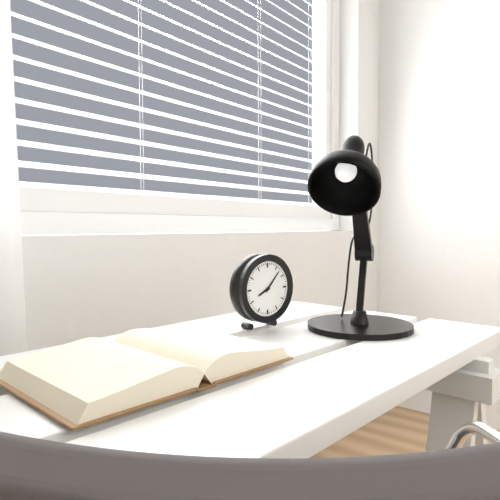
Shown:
8,07
